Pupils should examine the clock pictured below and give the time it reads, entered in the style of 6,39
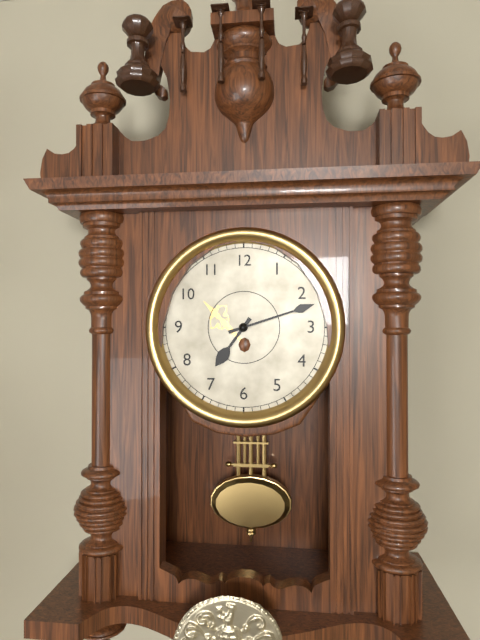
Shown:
7,12
